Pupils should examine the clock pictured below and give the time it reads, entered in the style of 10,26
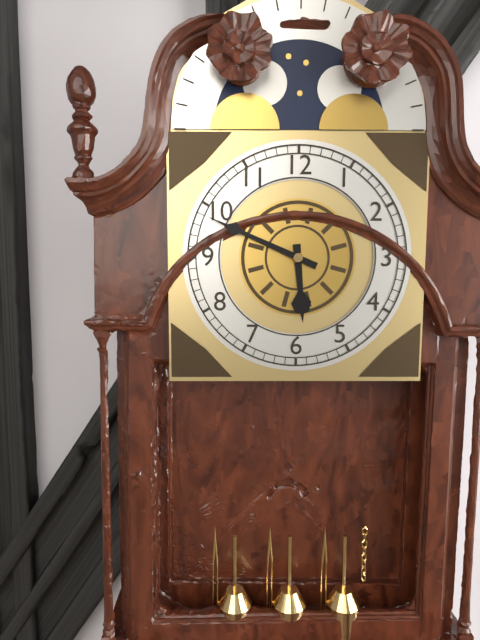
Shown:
5,49
